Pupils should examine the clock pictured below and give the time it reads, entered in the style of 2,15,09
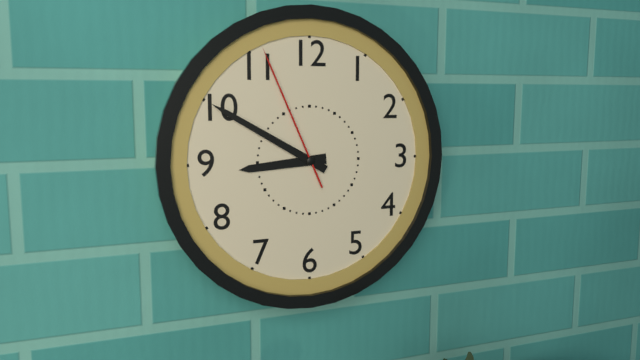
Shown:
8,50,56
